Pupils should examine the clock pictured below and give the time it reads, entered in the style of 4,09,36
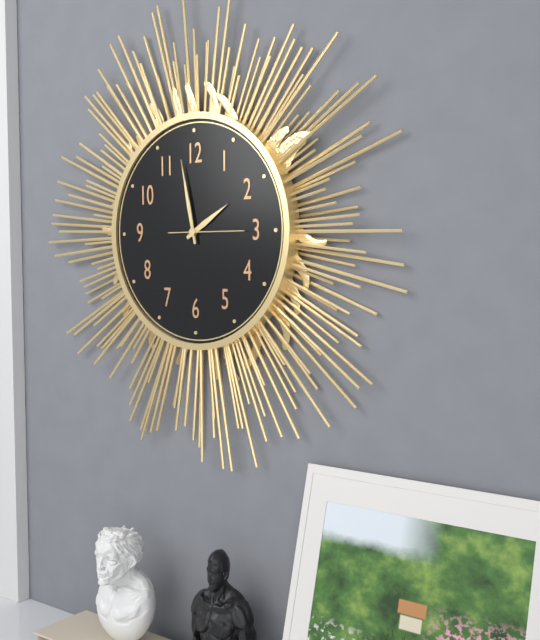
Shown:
1,58,15
